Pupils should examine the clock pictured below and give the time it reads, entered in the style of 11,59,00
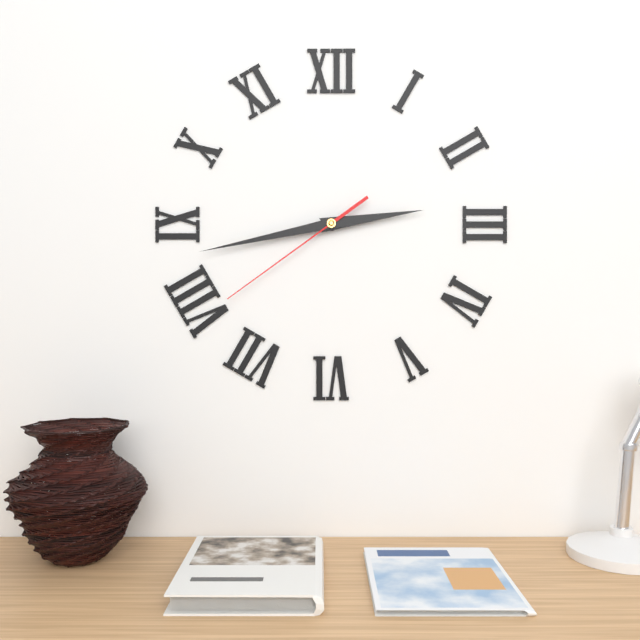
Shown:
2,43,39
